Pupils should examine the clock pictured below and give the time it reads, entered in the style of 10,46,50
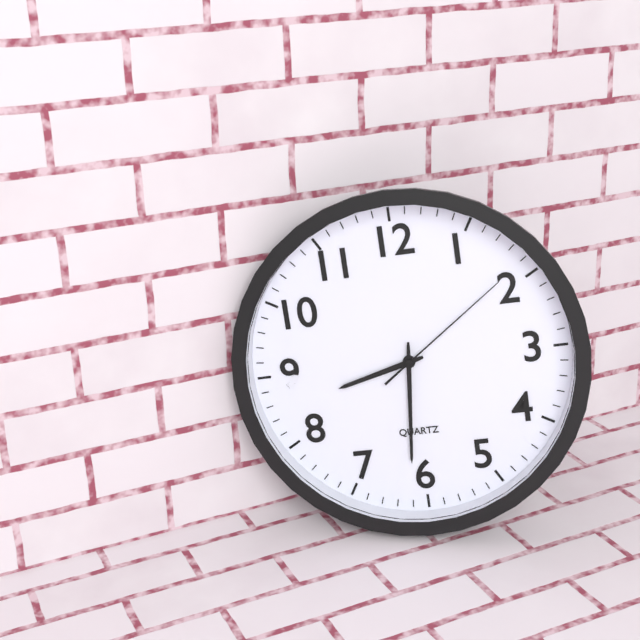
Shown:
8,31,09
